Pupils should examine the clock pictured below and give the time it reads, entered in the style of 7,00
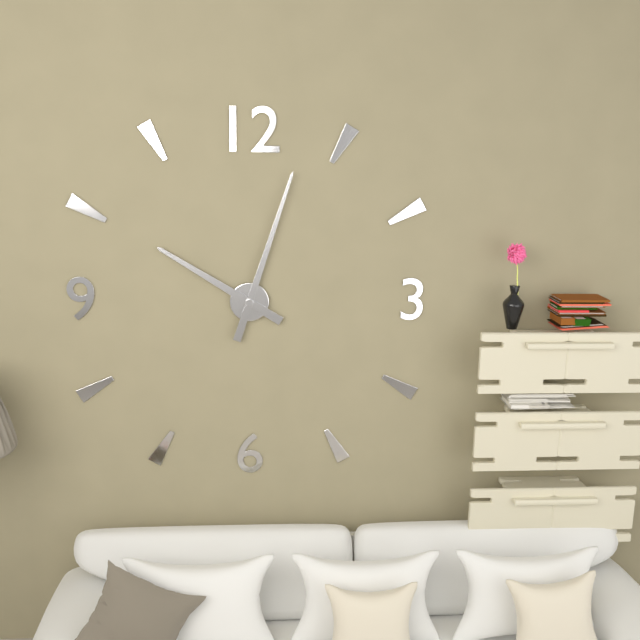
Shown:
10,03
